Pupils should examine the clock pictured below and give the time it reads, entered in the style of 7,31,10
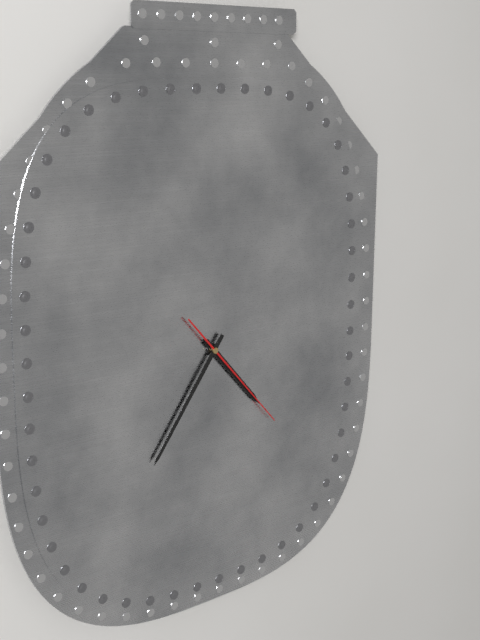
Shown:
4,36,23
